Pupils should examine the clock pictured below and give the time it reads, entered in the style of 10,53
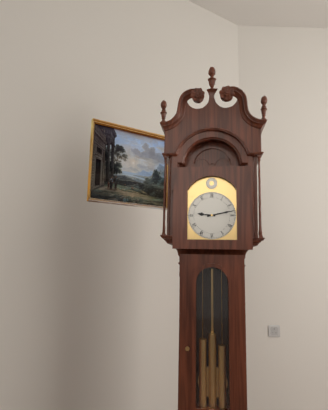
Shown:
9,13
